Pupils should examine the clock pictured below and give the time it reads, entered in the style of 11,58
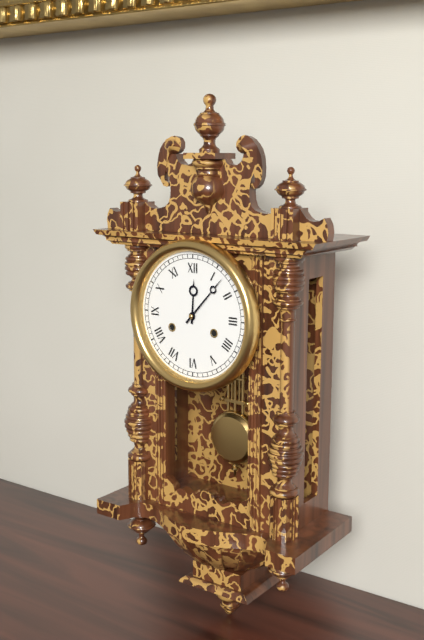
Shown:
12,07
